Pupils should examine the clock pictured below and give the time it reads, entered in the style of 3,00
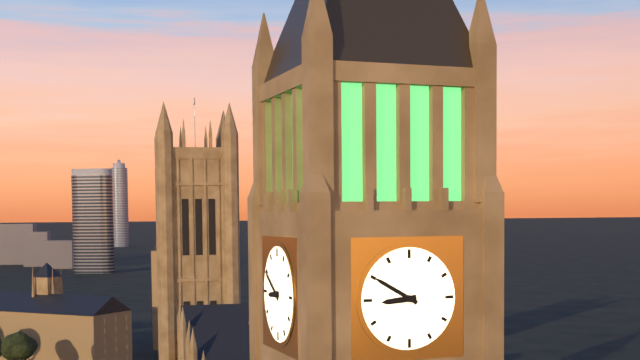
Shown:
8,50
